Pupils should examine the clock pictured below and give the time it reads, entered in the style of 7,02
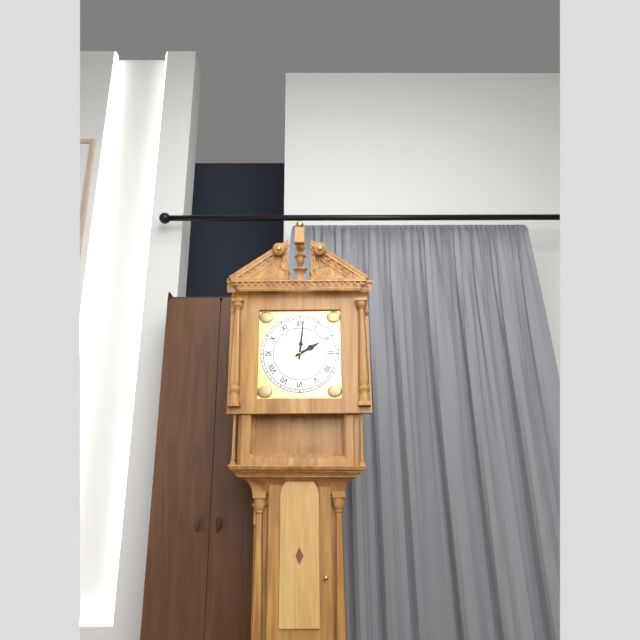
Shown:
2,01
